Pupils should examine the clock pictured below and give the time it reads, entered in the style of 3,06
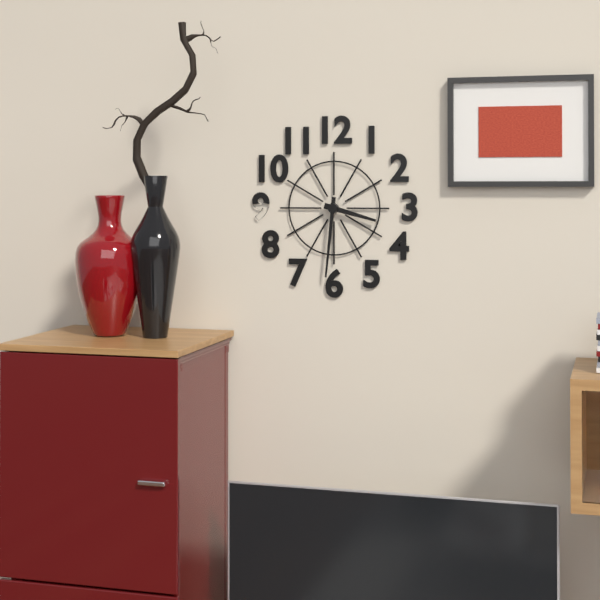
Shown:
3,31
